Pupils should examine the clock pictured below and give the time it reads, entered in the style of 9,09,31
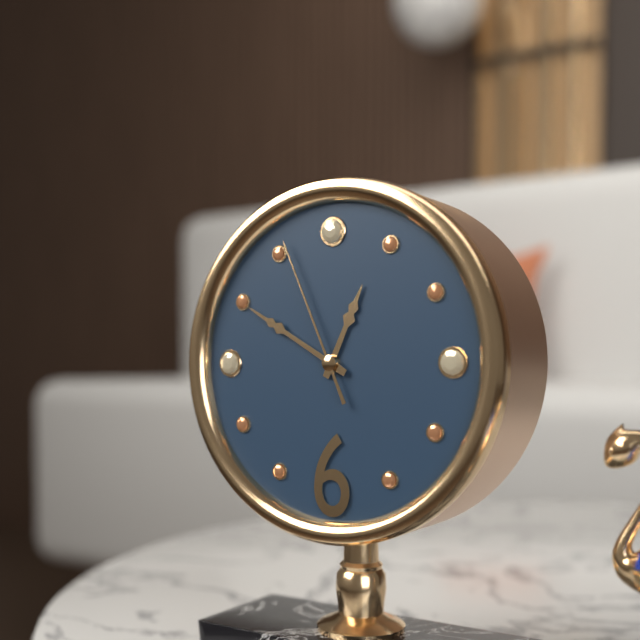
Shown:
12,50,56
